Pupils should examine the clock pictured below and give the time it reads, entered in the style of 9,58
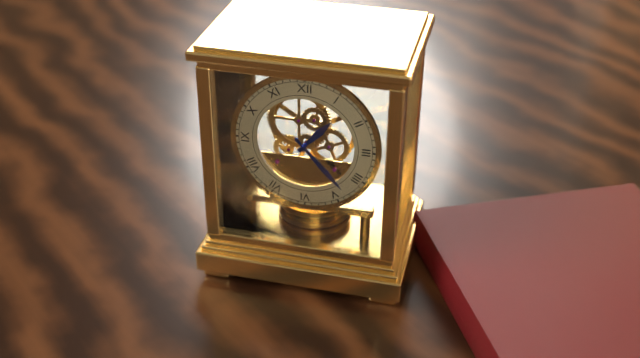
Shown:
1,23
